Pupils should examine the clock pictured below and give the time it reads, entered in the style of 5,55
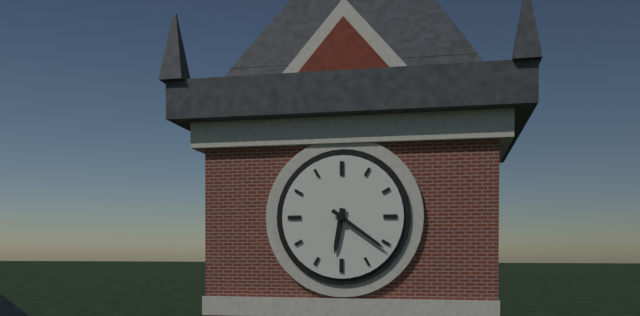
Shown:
6,21
